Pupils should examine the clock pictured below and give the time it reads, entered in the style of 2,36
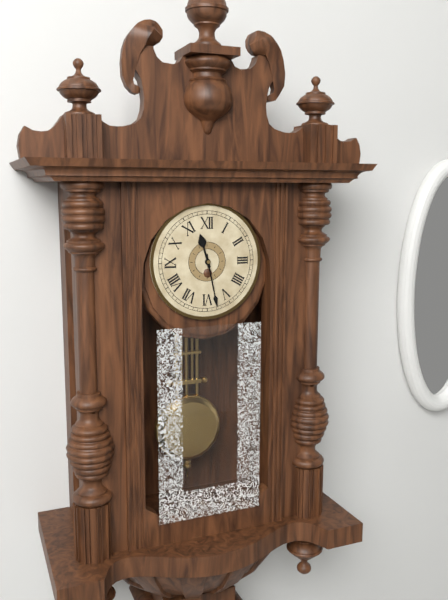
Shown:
11,28
